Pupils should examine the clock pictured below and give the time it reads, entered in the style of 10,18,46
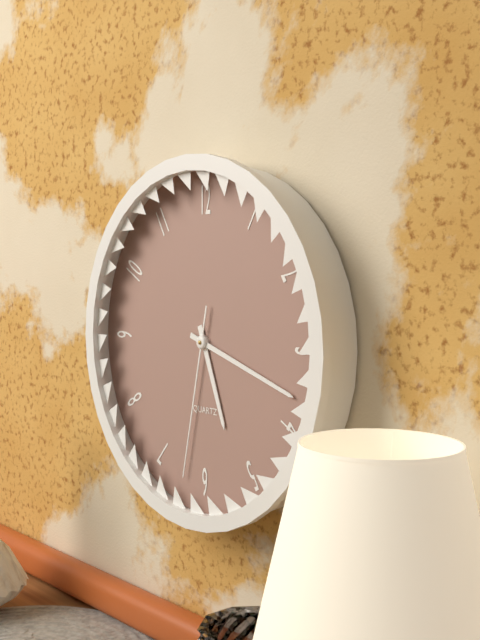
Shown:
5,18,32
